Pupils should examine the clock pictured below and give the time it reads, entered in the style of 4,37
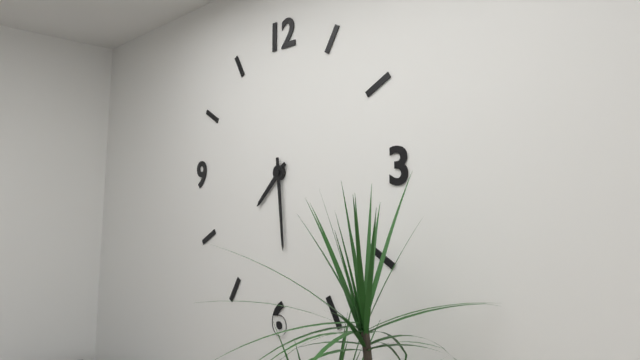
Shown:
7,29
